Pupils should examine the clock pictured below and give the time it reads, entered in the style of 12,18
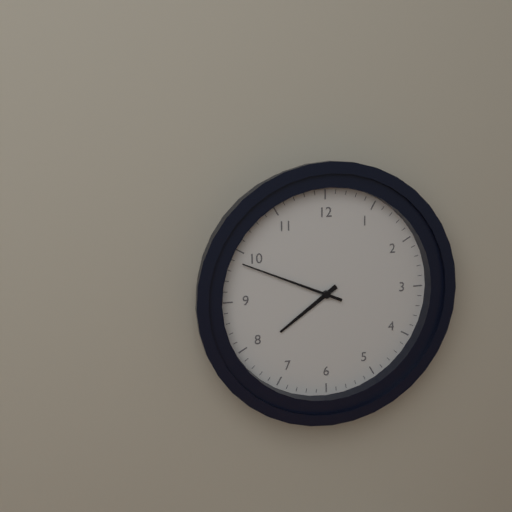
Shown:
7,49
